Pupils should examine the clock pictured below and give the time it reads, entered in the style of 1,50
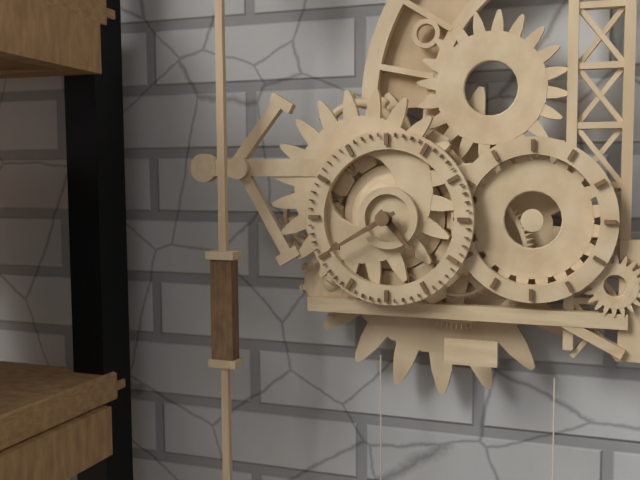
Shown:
4,40
